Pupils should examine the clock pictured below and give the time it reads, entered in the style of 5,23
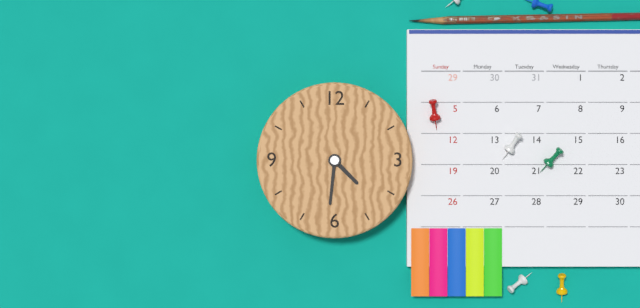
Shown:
4,31
